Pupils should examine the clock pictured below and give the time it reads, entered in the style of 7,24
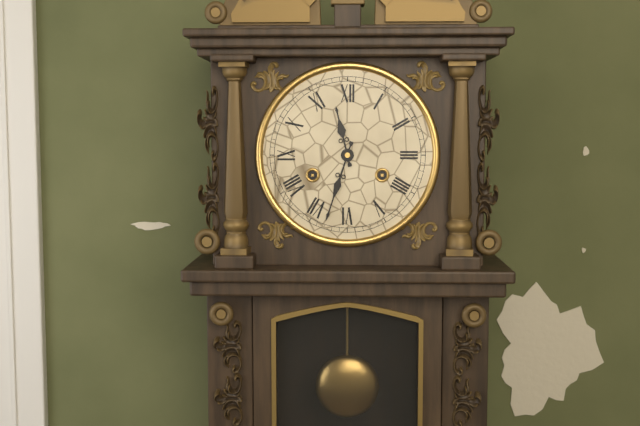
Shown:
11,33
